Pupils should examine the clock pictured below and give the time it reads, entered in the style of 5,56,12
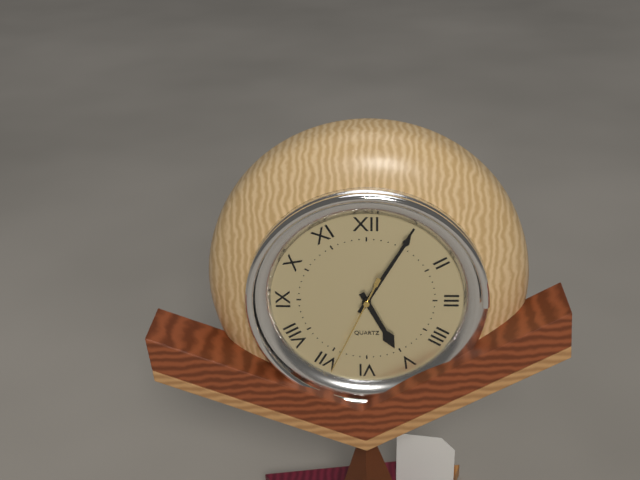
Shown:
5,05,34
